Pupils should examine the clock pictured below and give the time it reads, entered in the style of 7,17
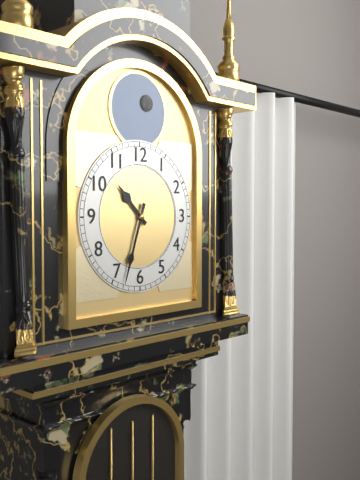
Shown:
10,33
